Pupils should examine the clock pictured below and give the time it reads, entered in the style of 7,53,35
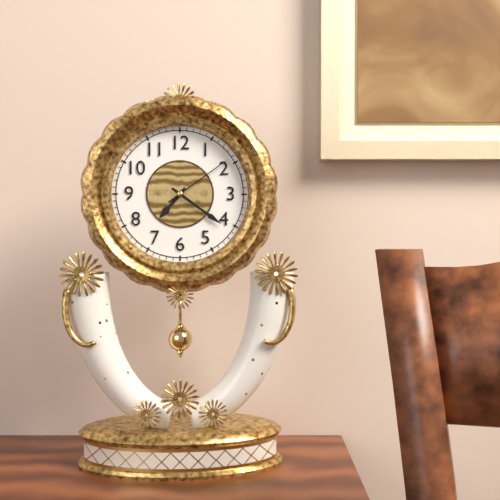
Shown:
7,21,09
